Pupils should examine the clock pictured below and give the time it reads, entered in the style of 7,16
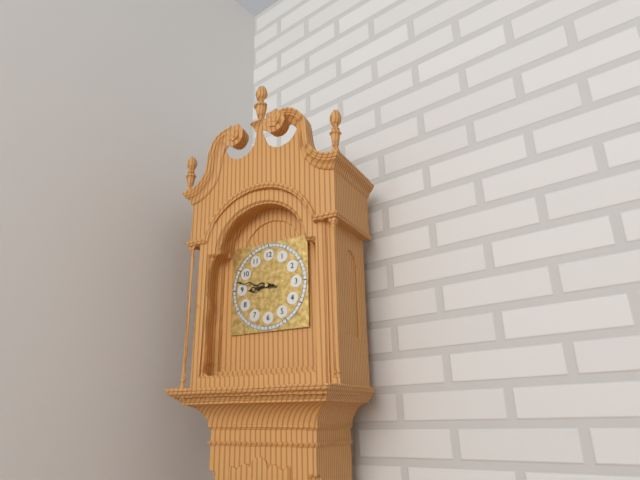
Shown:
8,47
